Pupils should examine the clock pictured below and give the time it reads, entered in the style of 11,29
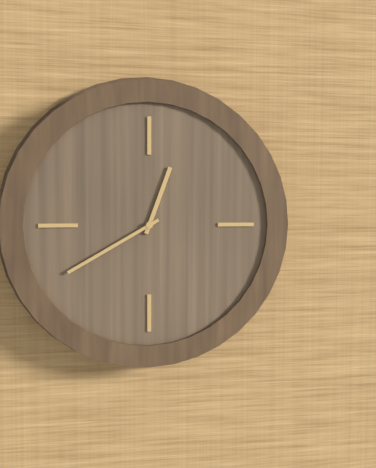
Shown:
12,40
